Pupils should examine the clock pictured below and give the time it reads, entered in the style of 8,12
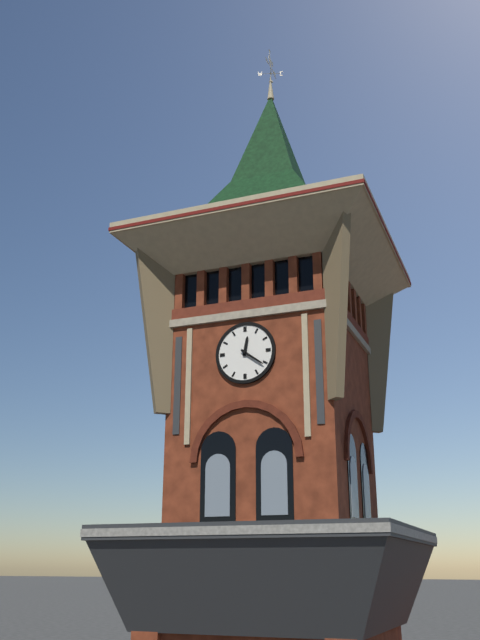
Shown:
12,21
